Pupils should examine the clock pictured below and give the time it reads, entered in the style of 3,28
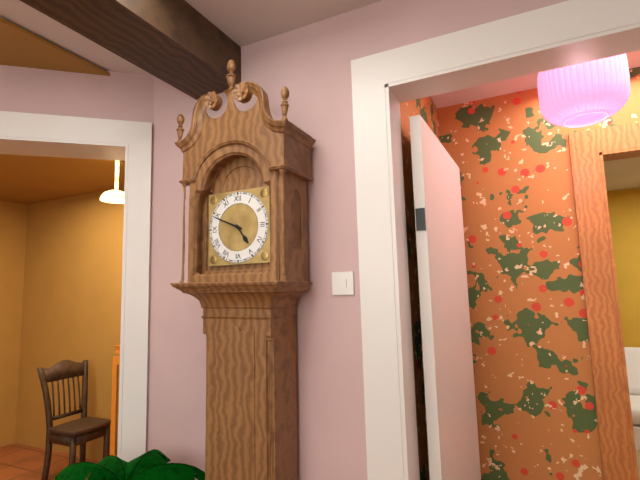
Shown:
4,49
